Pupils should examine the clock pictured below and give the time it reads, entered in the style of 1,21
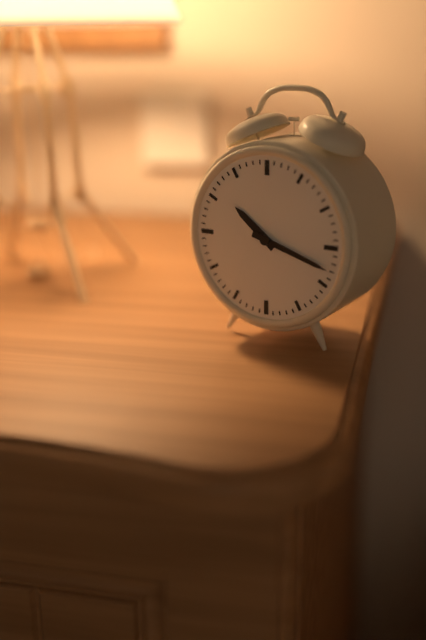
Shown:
10,18
